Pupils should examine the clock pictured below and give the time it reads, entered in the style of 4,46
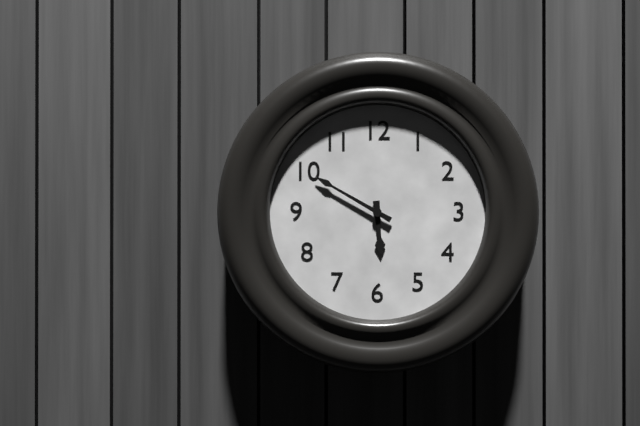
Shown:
5,50
